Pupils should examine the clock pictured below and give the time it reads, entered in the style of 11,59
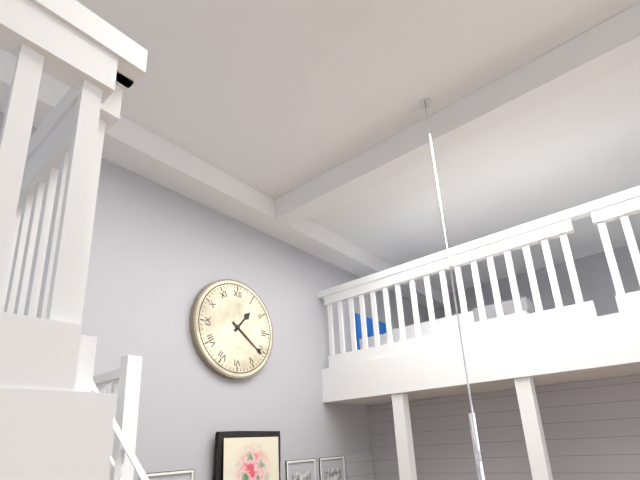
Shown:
1,21
